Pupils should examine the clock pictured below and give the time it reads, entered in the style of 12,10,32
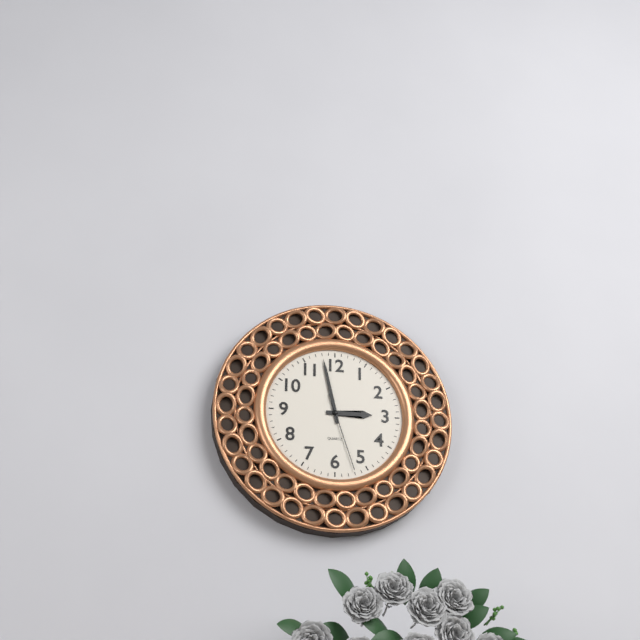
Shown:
2,58,27
